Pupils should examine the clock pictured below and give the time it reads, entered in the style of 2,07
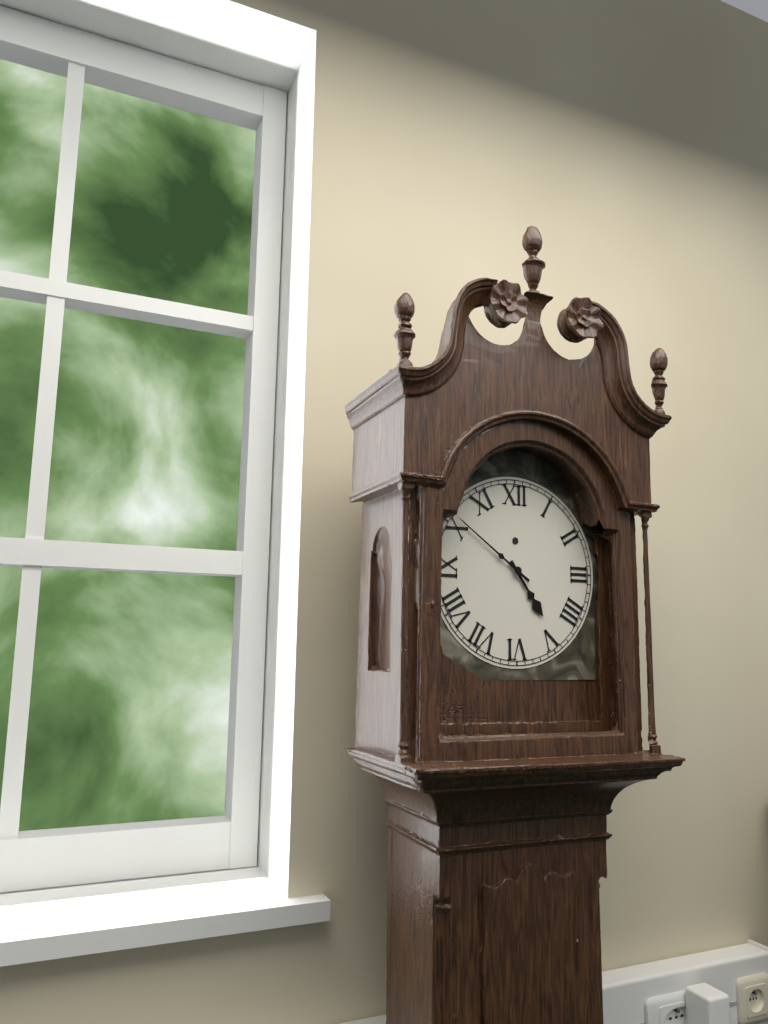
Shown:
4,51
